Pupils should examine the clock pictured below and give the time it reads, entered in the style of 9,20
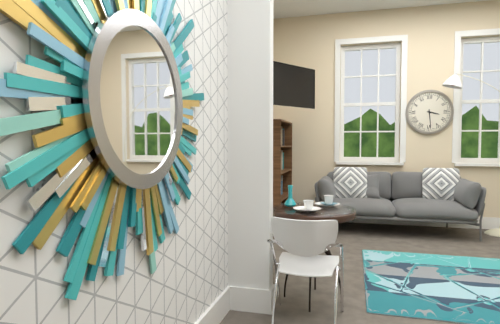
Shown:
3,29
